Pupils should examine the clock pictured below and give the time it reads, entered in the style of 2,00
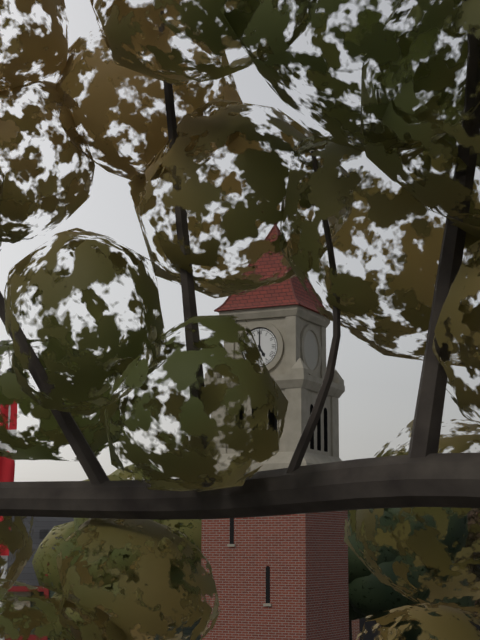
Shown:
5,00
